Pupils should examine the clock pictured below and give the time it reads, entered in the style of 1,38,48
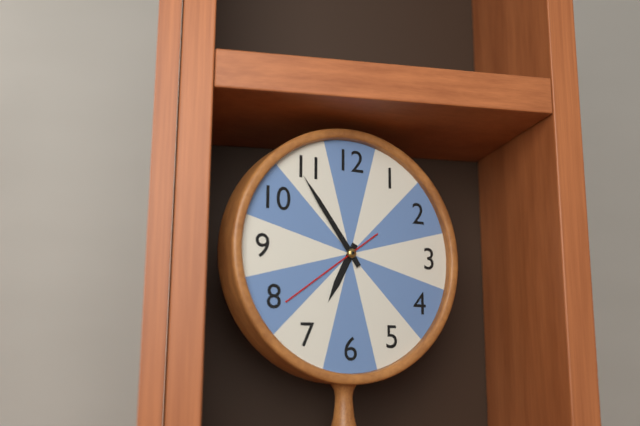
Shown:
6,54,39
